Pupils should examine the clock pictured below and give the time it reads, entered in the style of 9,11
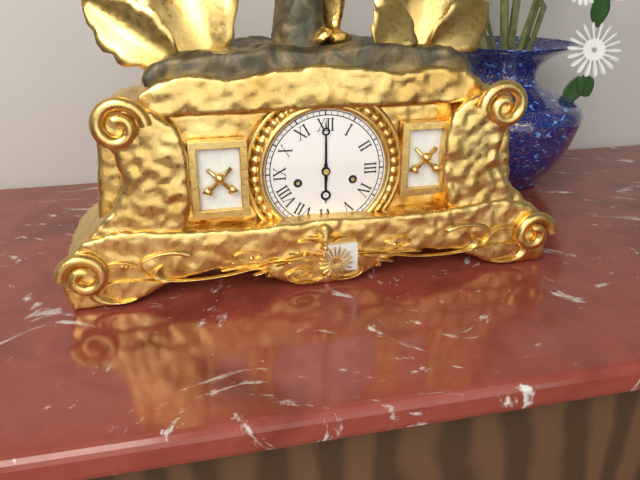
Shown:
6,00
